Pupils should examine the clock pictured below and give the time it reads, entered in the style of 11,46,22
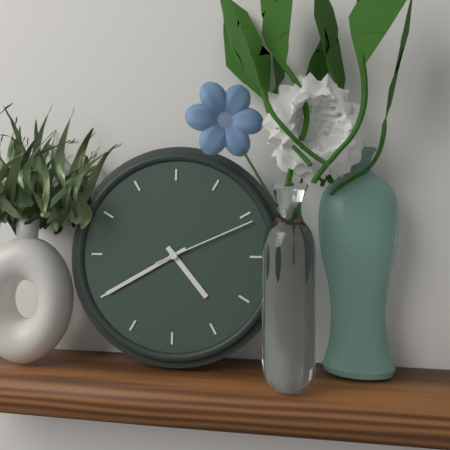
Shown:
4,40,11
